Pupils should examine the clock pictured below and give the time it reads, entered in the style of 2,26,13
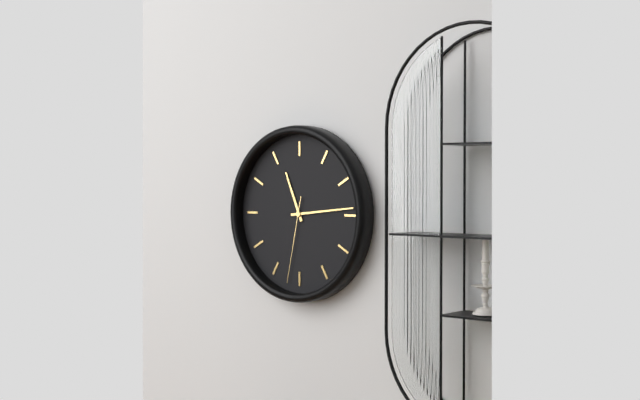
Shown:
11,14,32
